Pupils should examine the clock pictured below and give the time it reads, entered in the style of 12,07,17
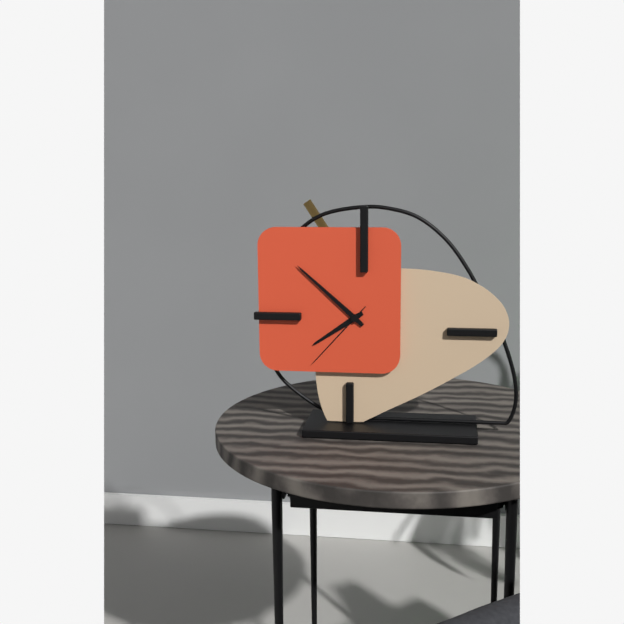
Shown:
7,52,37
